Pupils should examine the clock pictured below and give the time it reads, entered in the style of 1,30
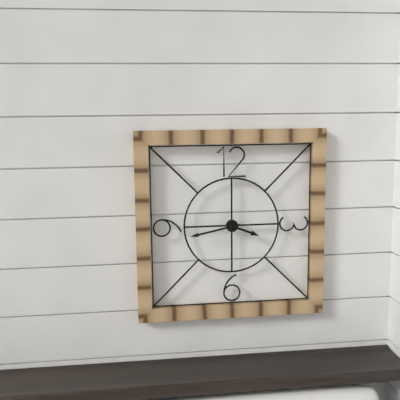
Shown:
3,43
